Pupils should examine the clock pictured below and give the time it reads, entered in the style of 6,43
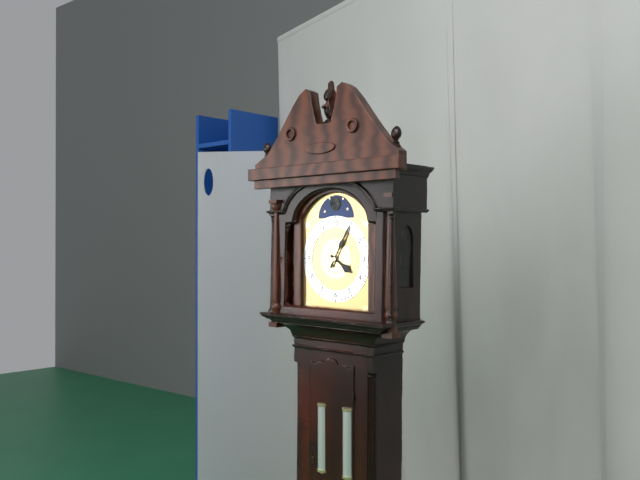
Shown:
4,05
